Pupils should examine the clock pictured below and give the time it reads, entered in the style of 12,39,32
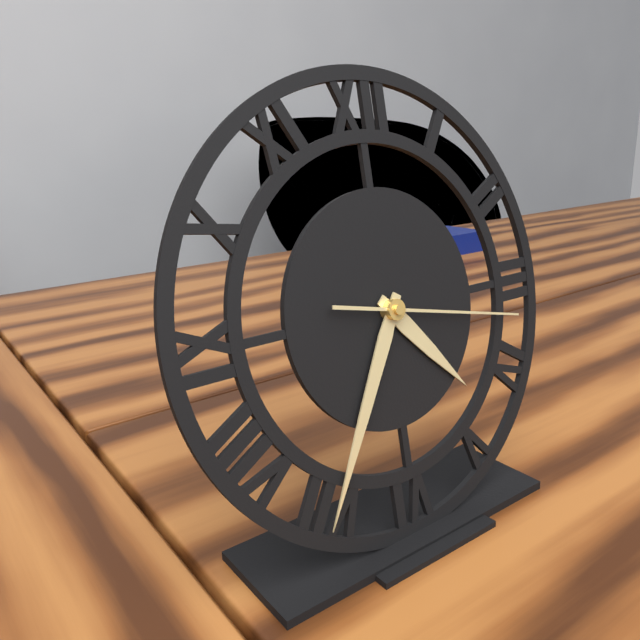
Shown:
4,35,17
